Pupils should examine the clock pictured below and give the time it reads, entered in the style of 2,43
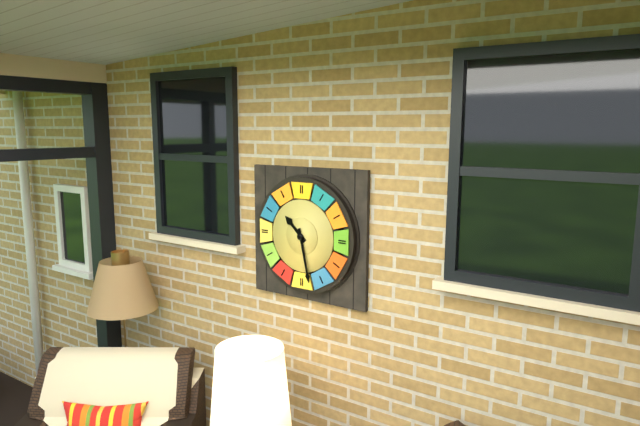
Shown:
10,28
